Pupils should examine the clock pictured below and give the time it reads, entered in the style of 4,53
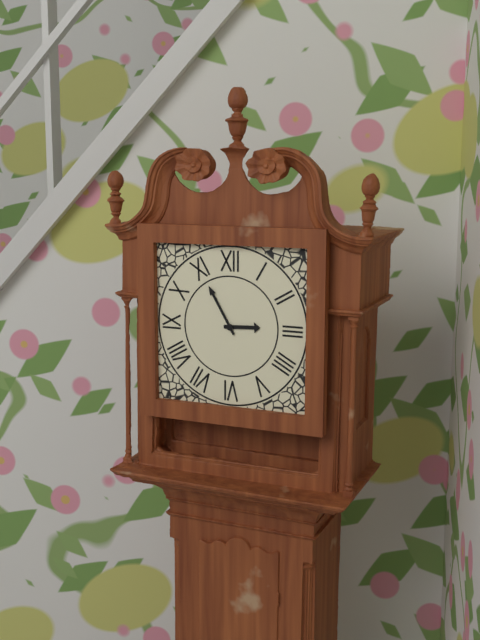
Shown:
2,55
